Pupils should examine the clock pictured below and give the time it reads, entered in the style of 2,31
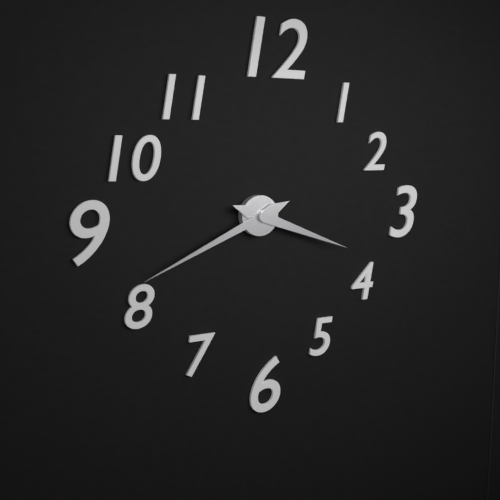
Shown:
3,41
